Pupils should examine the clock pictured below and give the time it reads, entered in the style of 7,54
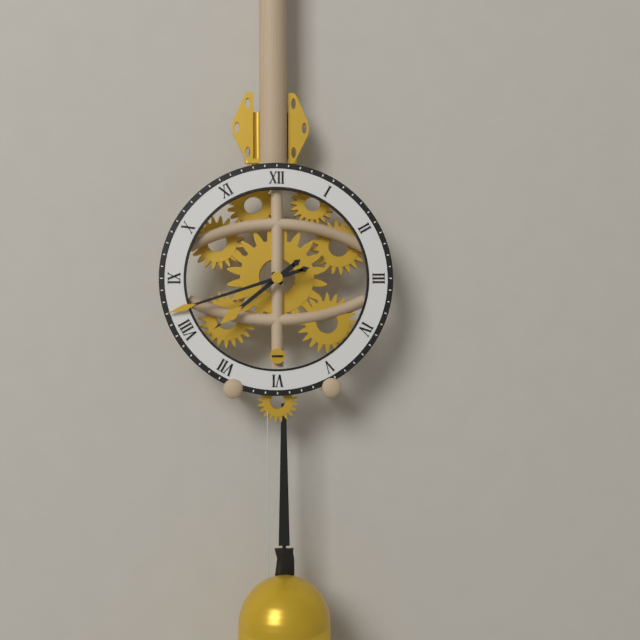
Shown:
7,42
